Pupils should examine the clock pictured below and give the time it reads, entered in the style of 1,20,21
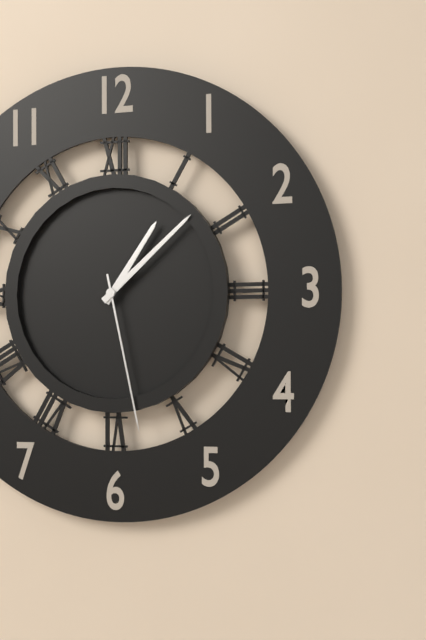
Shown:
1,08,28
